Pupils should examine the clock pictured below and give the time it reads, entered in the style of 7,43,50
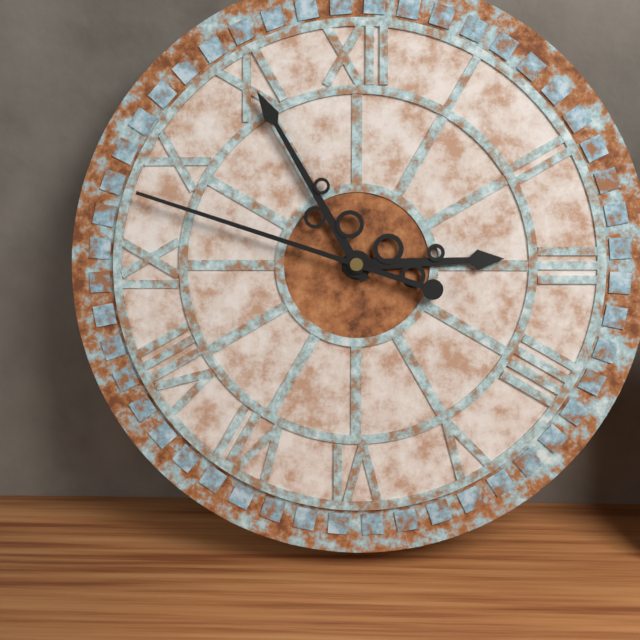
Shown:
2,55,48
